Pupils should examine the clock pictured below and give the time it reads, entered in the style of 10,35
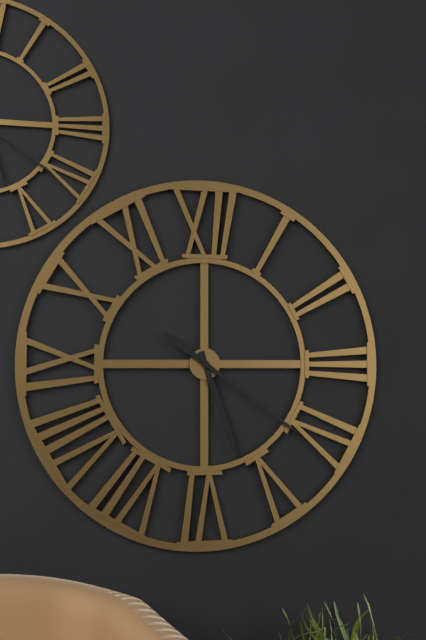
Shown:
5,21
